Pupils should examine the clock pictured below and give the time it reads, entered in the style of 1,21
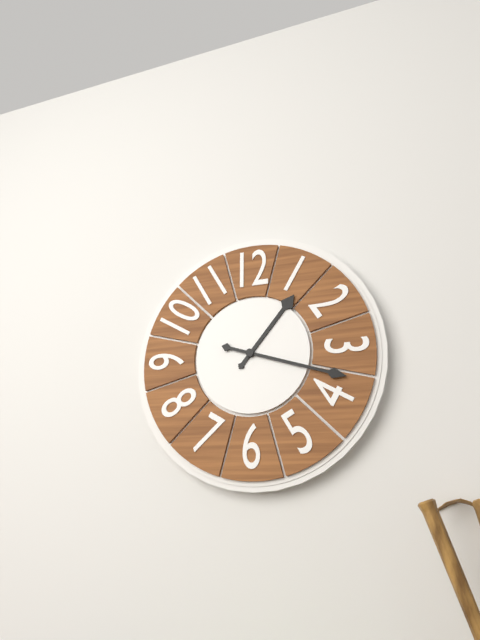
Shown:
1,18
